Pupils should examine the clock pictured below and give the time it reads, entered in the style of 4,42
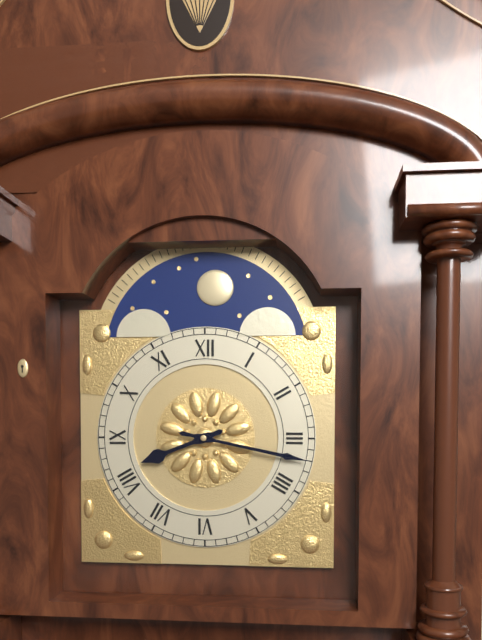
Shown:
8,17
